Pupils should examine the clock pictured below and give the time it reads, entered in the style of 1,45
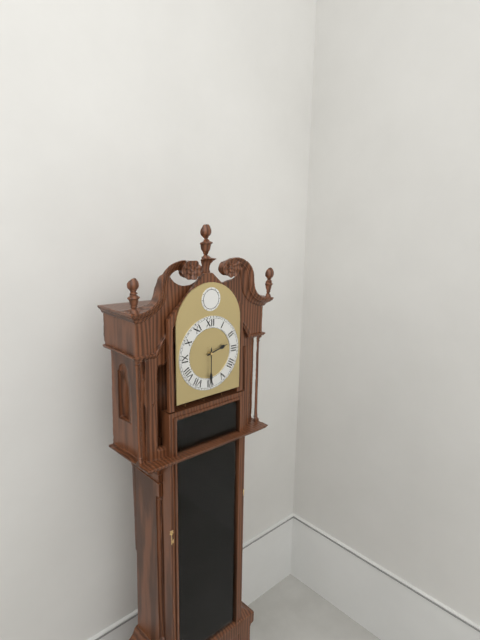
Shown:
2,30
